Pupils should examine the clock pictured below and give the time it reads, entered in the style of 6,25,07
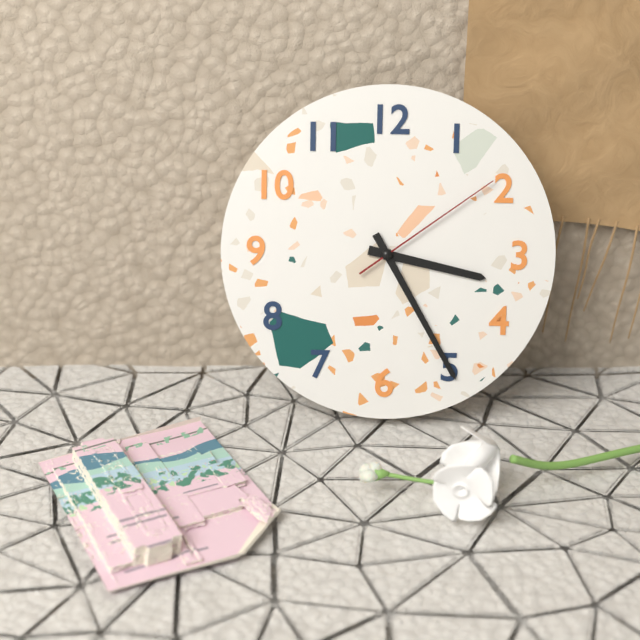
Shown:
3,25,09
